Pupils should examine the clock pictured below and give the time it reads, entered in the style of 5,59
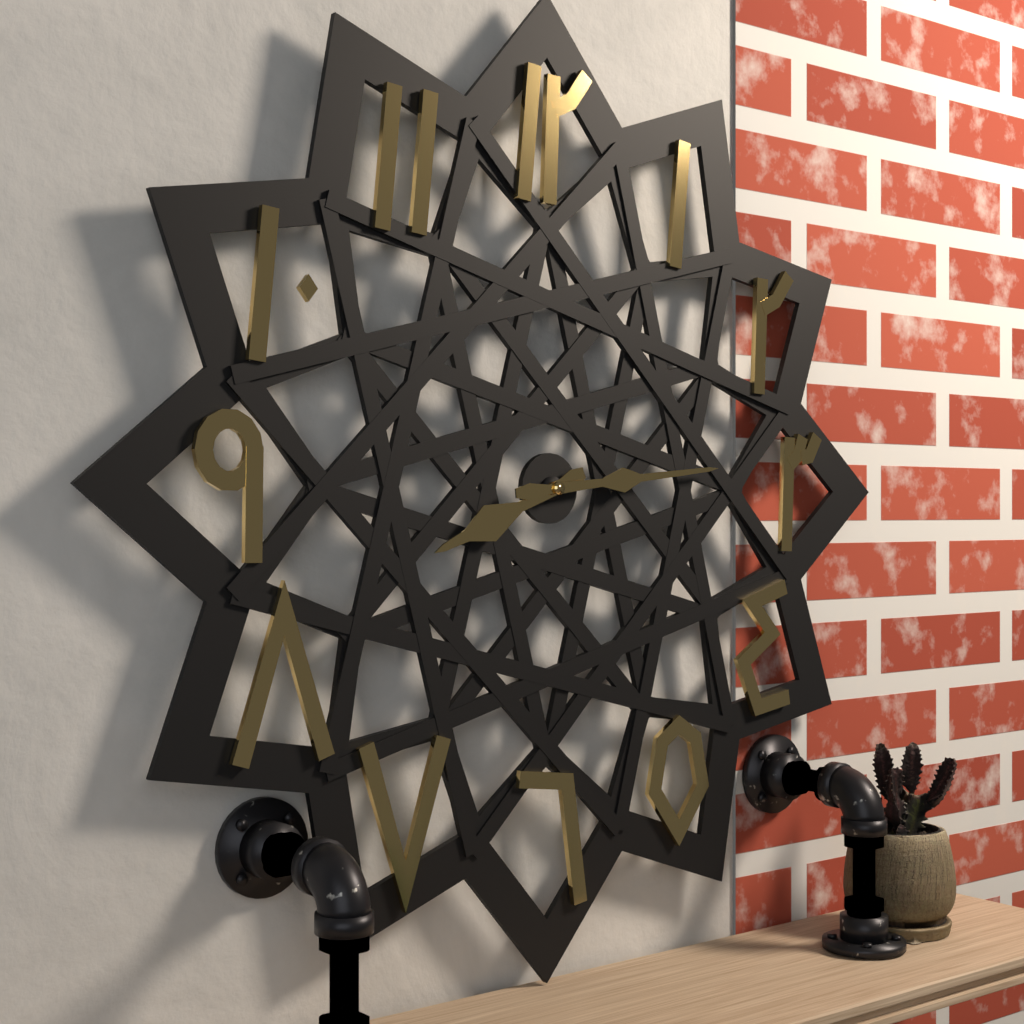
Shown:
8,14
